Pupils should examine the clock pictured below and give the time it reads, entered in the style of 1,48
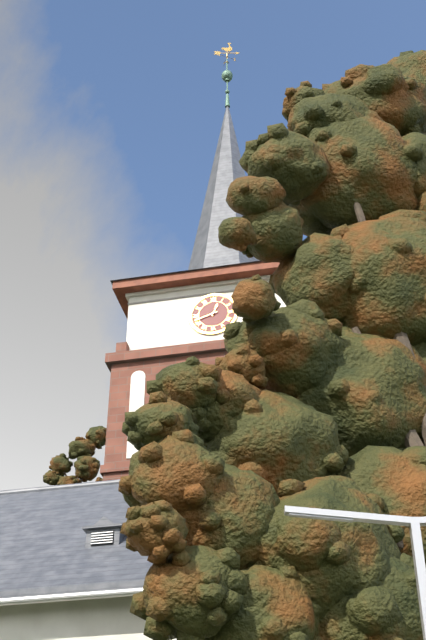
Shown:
12,42
